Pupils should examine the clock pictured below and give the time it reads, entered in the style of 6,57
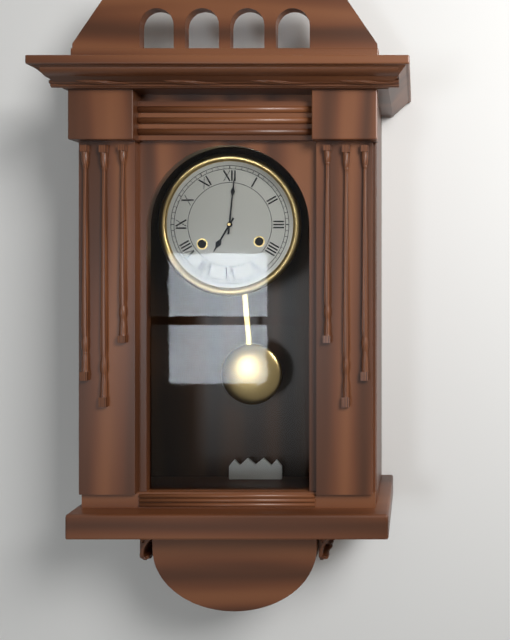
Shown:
7,01
